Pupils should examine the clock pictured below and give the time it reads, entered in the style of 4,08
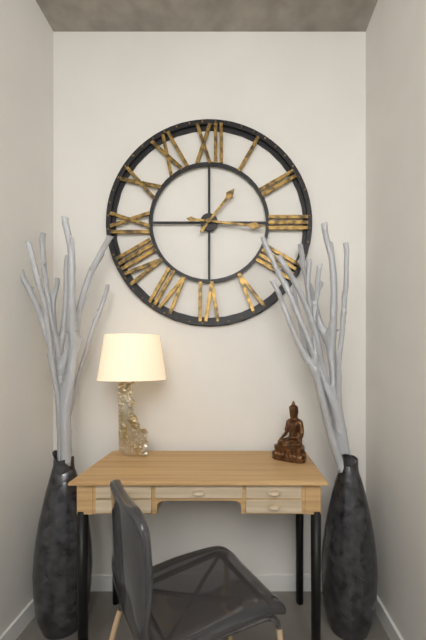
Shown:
1,16
